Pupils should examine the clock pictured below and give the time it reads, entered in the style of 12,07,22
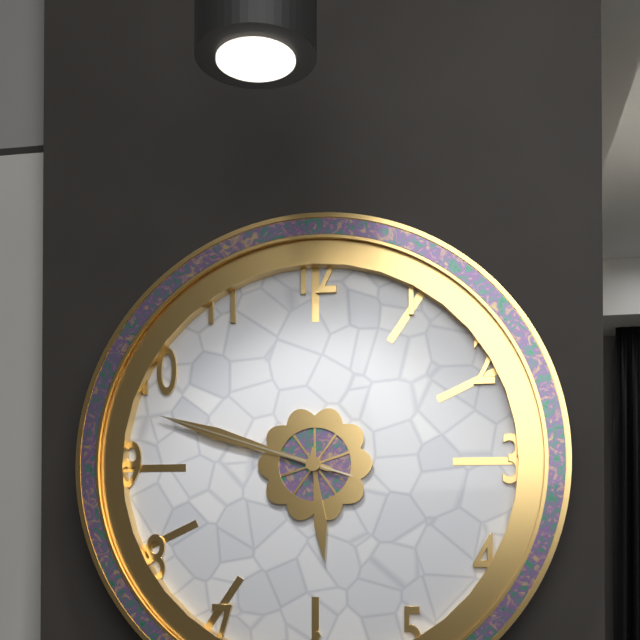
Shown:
5,48,48
